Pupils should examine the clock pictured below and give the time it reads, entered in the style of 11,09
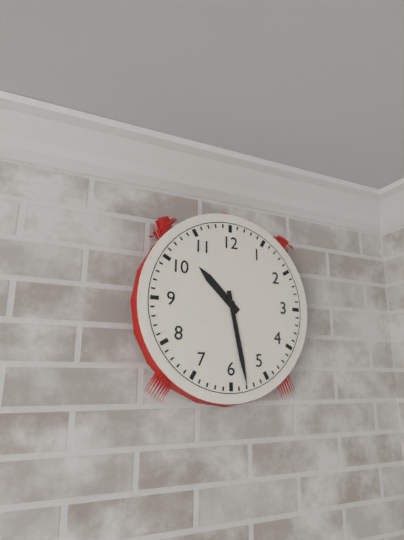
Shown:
10,28
